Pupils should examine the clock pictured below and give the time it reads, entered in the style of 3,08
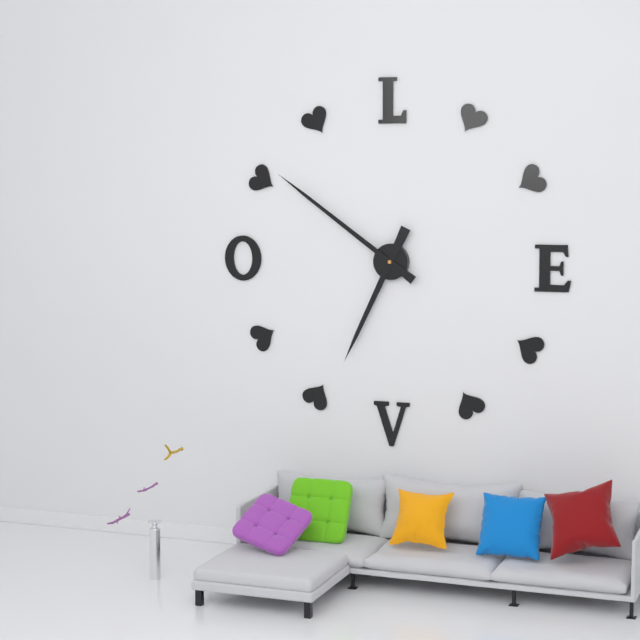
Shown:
6,51
